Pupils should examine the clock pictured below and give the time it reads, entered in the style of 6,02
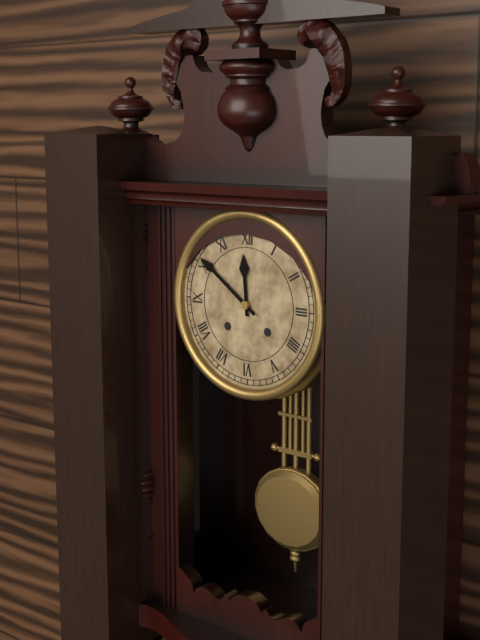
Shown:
11,51
